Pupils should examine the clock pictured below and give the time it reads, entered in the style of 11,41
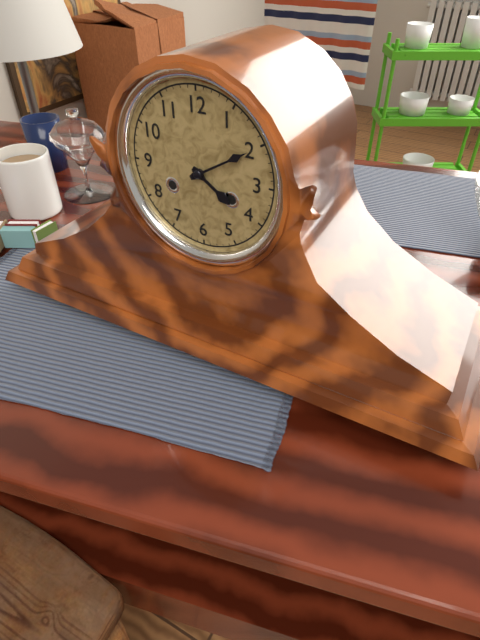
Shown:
4,10
